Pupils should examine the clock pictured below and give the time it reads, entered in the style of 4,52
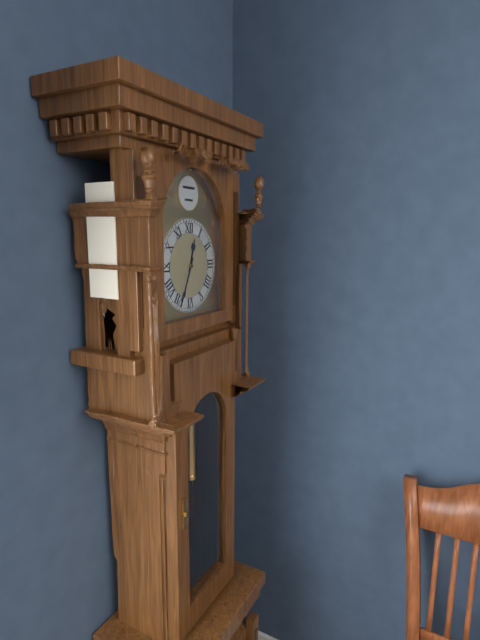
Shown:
12,34
